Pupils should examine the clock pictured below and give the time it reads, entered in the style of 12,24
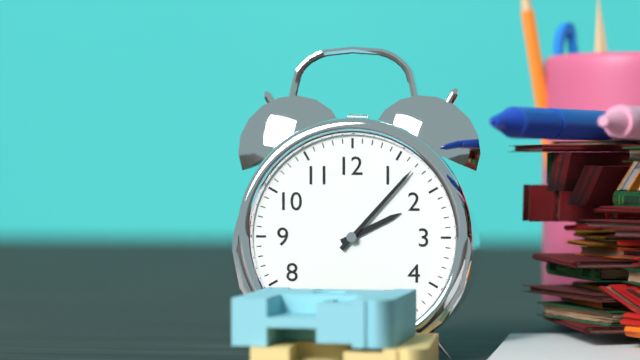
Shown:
2,07
